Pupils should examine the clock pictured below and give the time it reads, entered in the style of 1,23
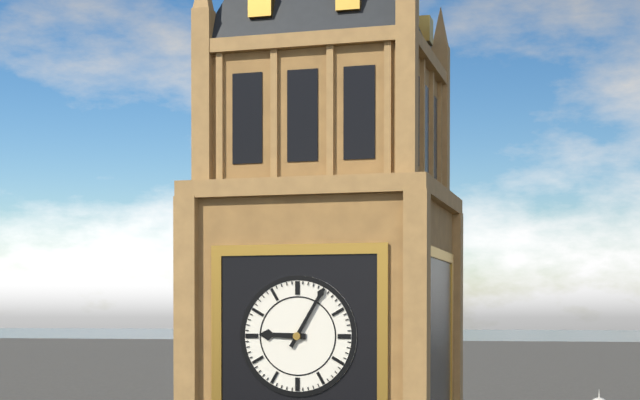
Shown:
9,05
